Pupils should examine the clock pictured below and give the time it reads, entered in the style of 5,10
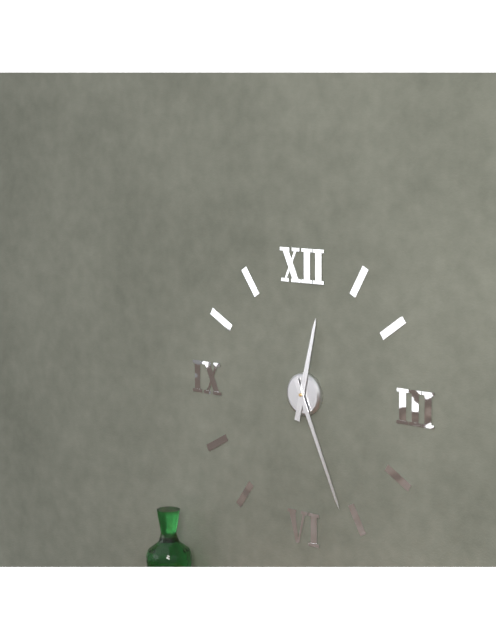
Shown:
12,26
